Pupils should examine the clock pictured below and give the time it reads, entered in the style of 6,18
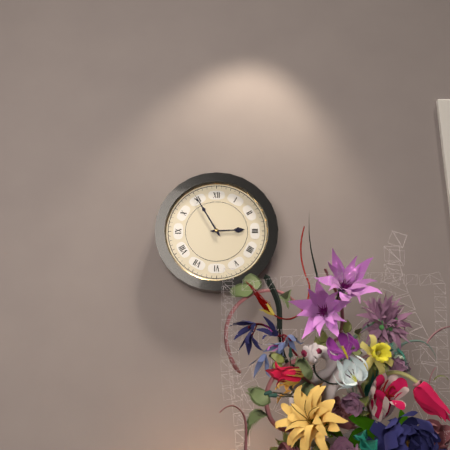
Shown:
2,55
